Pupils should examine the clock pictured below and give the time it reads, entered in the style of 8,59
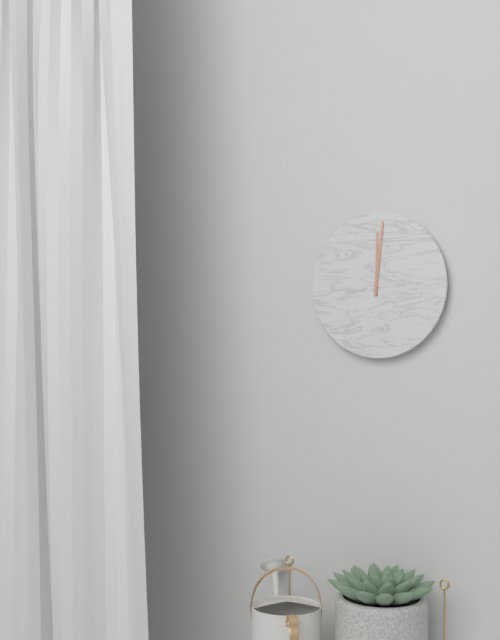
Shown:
12,01
